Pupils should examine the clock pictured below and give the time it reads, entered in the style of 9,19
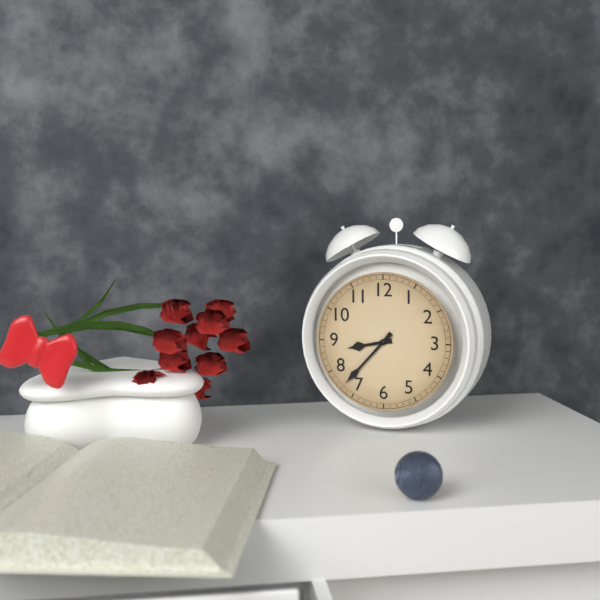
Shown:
8,37
